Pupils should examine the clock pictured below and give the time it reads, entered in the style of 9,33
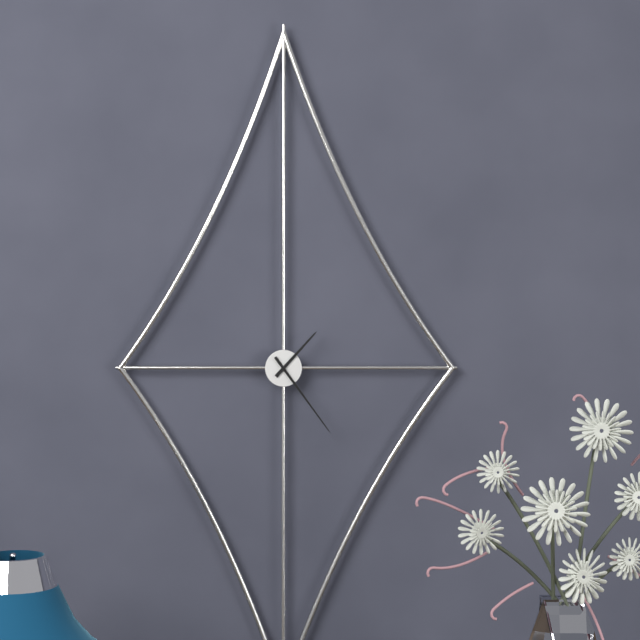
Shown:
1,24
